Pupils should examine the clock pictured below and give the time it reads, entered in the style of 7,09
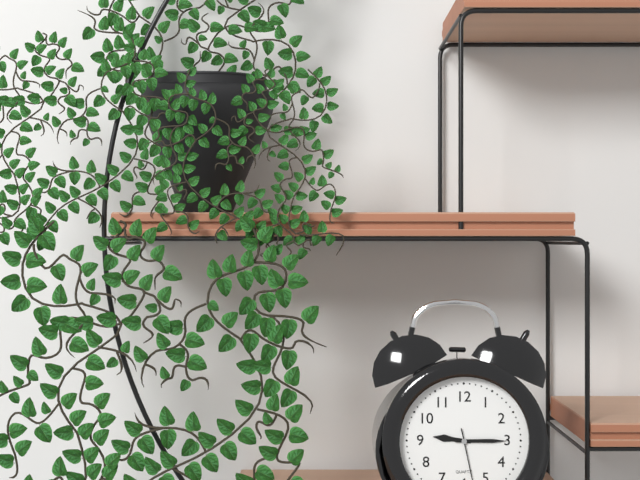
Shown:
9,15
